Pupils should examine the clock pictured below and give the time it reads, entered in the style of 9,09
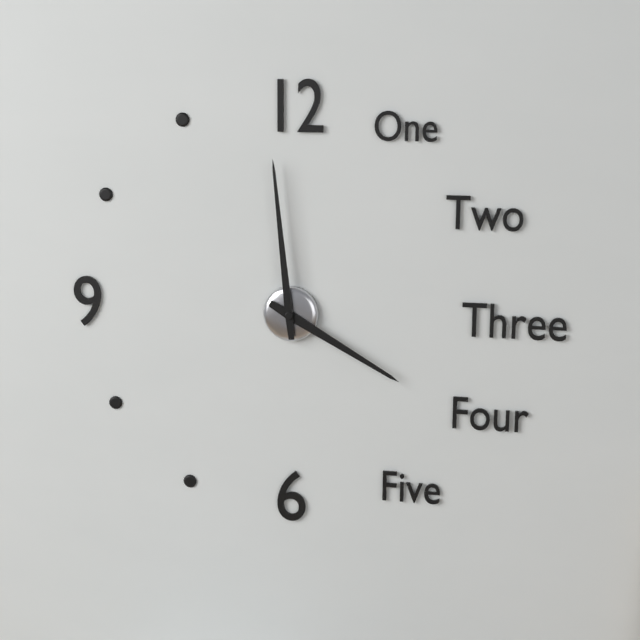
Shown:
3,59
